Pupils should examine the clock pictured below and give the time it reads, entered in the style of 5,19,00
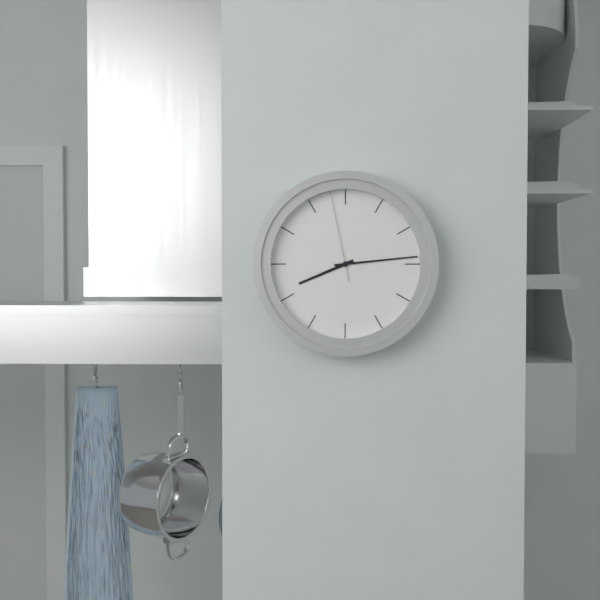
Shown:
8,14,58
